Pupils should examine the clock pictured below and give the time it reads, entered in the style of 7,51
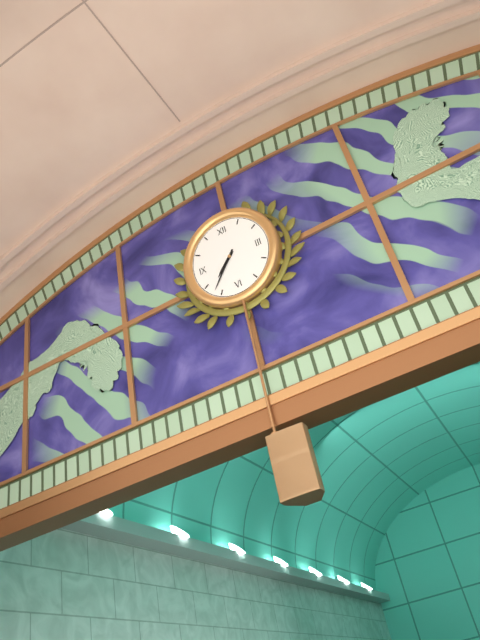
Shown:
7,37
